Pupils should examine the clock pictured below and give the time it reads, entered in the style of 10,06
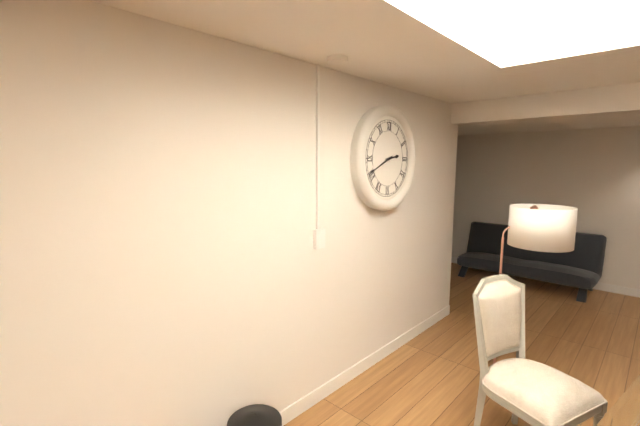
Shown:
2,41
